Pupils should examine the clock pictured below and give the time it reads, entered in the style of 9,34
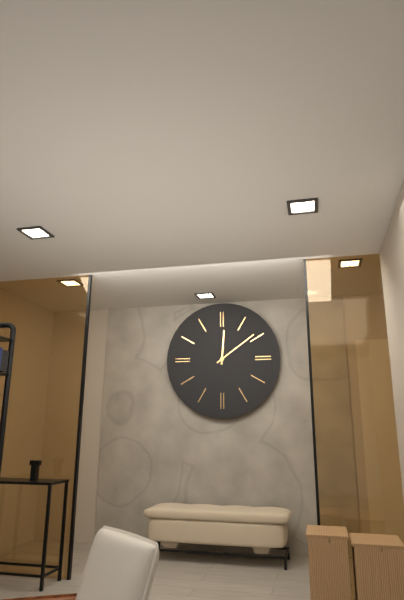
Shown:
12,09
